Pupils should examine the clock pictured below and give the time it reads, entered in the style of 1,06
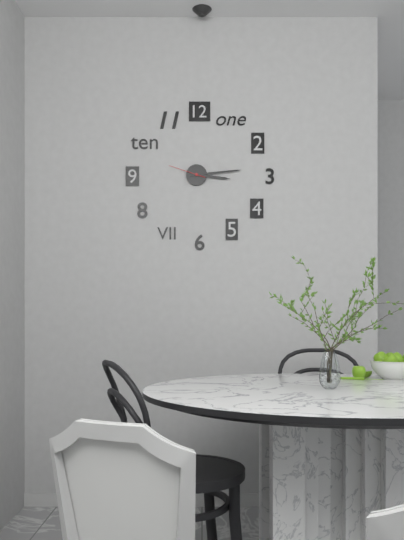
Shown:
3,14
